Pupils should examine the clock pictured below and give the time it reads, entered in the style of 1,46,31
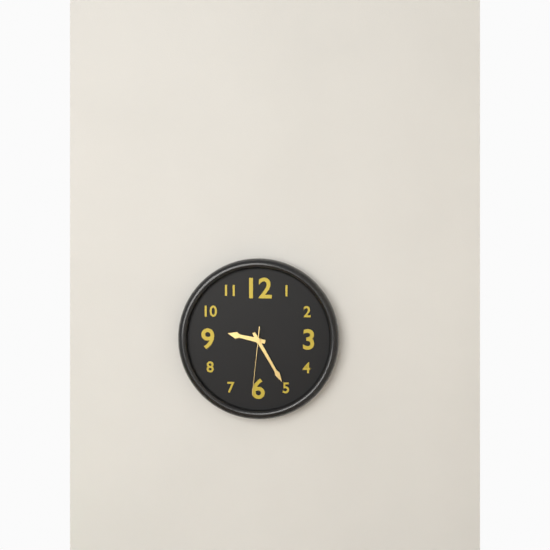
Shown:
9,25,31
